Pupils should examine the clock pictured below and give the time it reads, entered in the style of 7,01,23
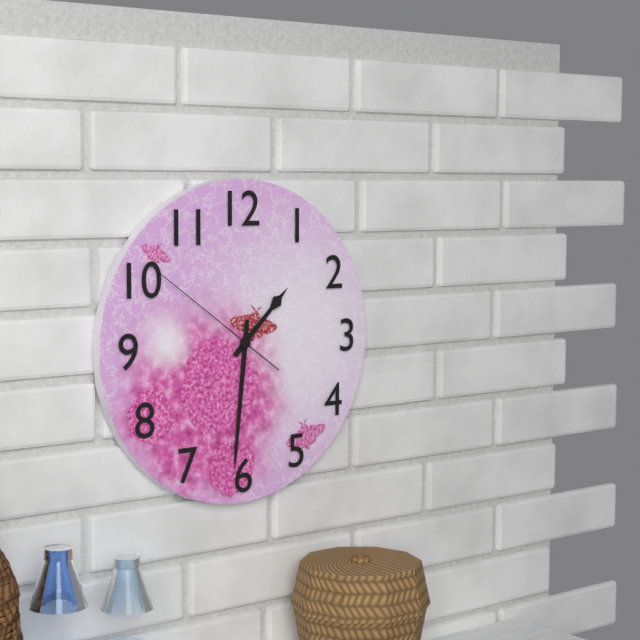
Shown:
1,31,51
